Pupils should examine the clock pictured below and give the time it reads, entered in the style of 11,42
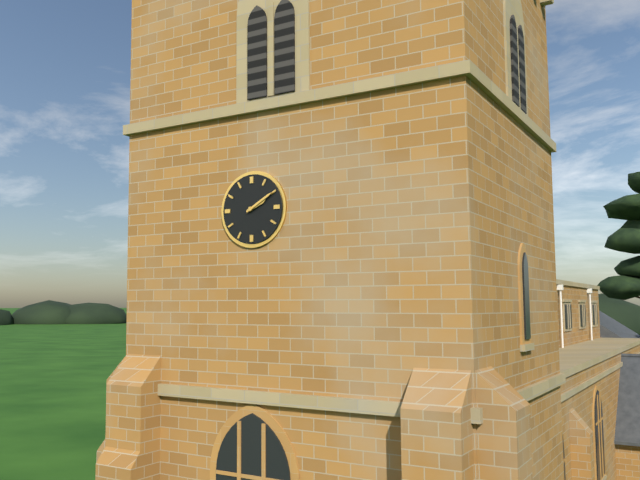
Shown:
2,10
